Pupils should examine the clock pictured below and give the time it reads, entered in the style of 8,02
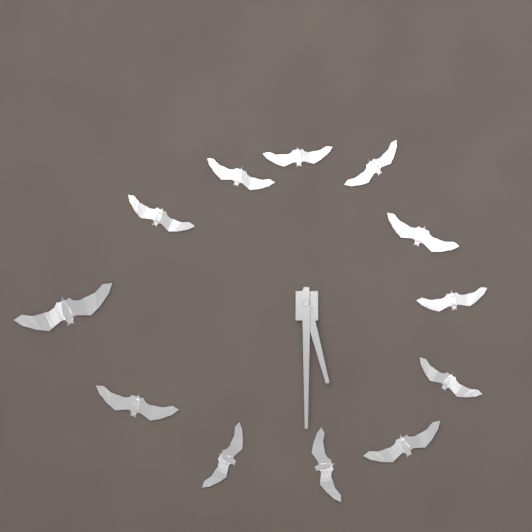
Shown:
5,30
